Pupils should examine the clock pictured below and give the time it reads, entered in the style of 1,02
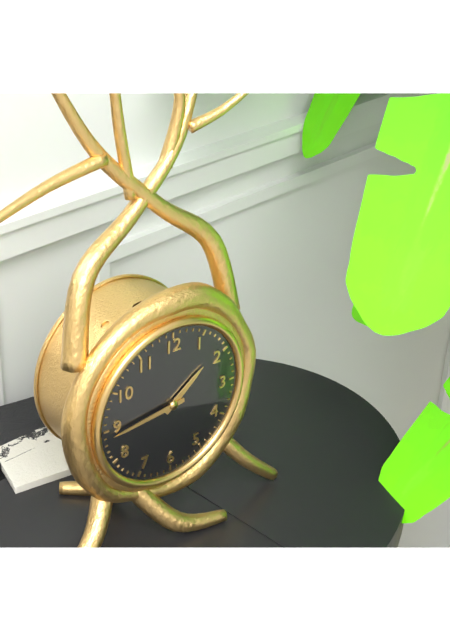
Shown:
1,44
